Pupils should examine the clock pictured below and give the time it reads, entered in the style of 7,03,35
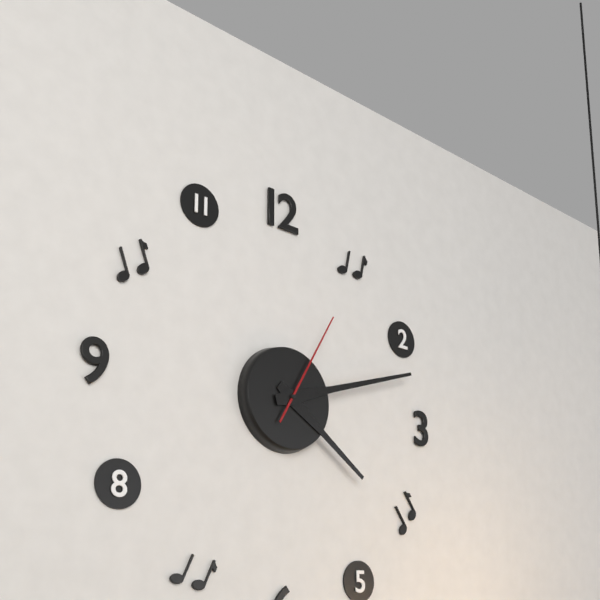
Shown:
4,12,05
